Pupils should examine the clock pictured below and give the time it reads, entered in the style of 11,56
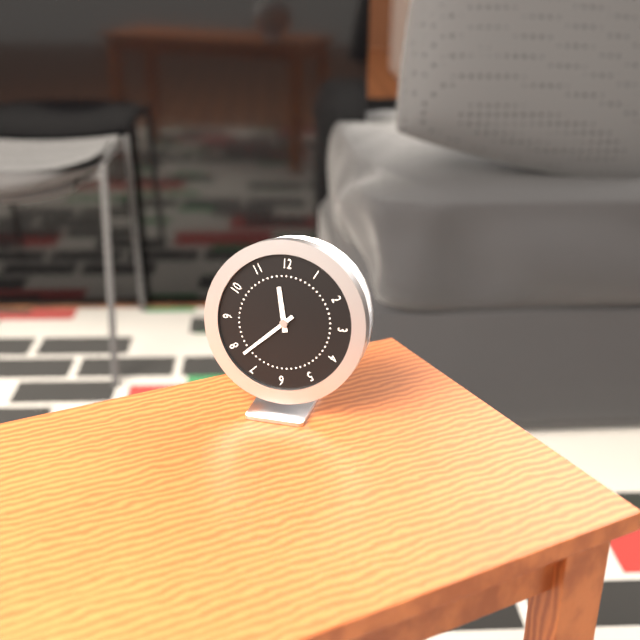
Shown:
11,38
